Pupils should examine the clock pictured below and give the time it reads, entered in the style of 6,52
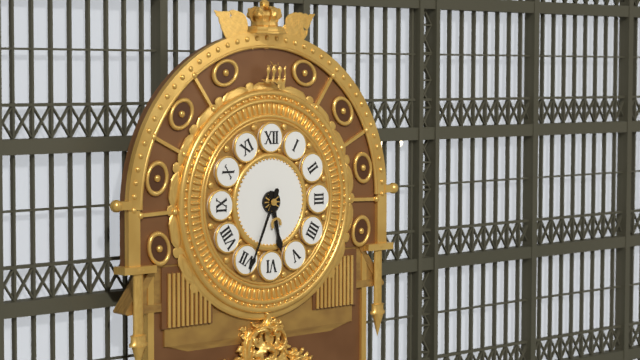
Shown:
5,34
